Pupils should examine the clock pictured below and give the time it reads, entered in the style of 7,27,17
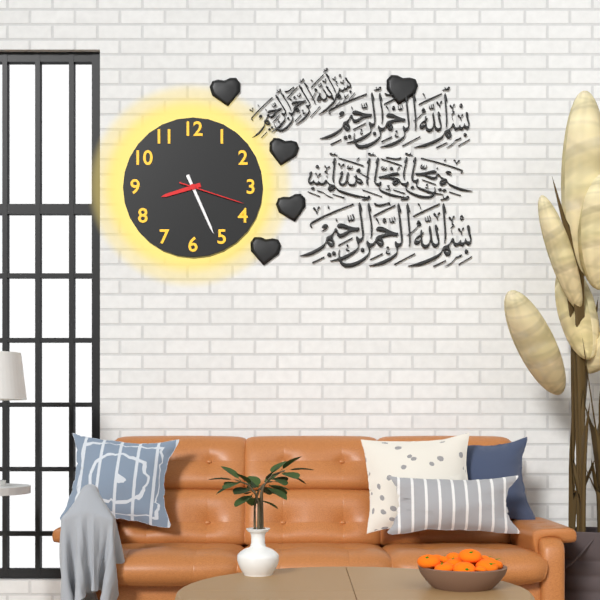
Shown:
8,26,18
